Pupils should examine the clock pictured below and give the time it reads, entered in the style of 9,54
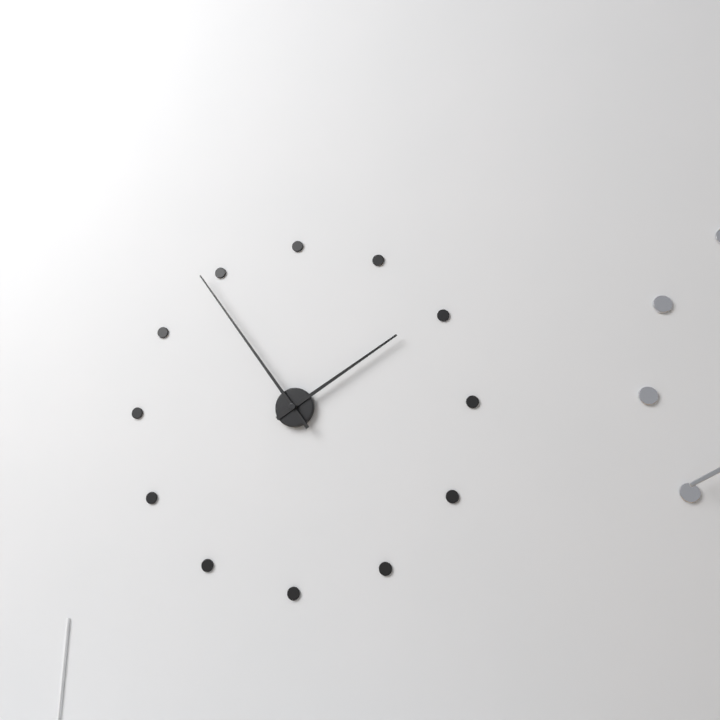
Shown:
1,54
